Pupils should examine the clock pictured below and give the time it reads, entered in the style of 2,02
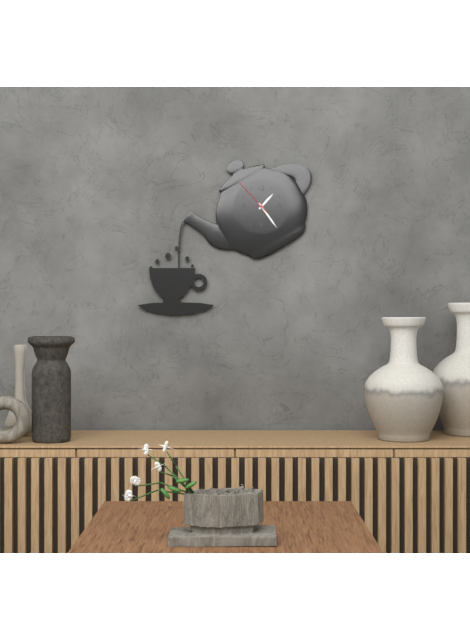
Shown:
1,24
